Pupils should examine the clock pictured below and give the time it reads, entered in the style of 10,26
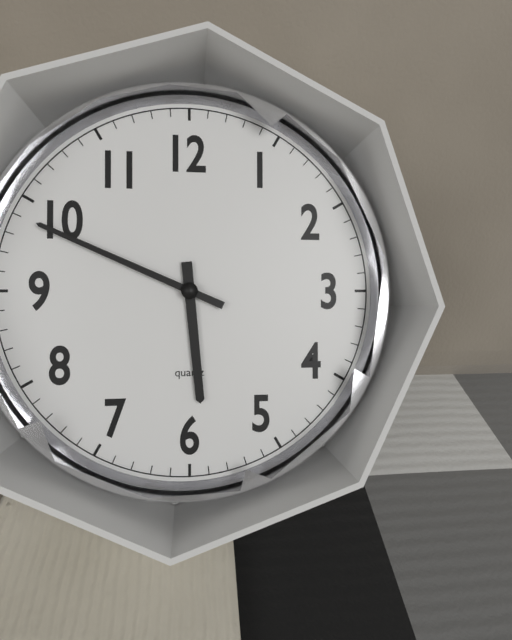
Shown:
5,49
